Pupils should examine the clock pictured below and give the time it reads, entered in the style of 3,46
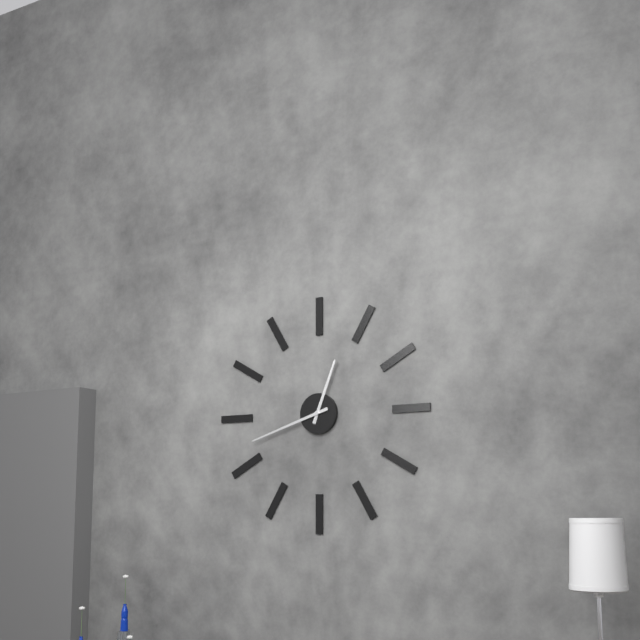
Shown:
12,42
